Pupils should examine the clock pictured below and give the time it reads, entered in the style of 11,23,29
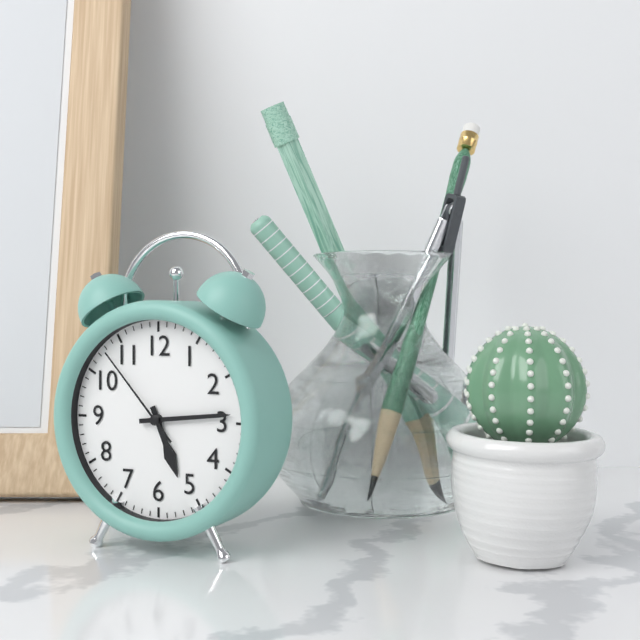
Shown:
5,14,53
